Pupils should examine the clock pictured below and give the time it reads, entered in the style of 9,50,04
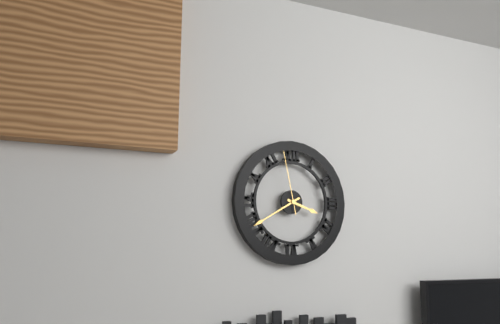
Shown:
3,40,58
